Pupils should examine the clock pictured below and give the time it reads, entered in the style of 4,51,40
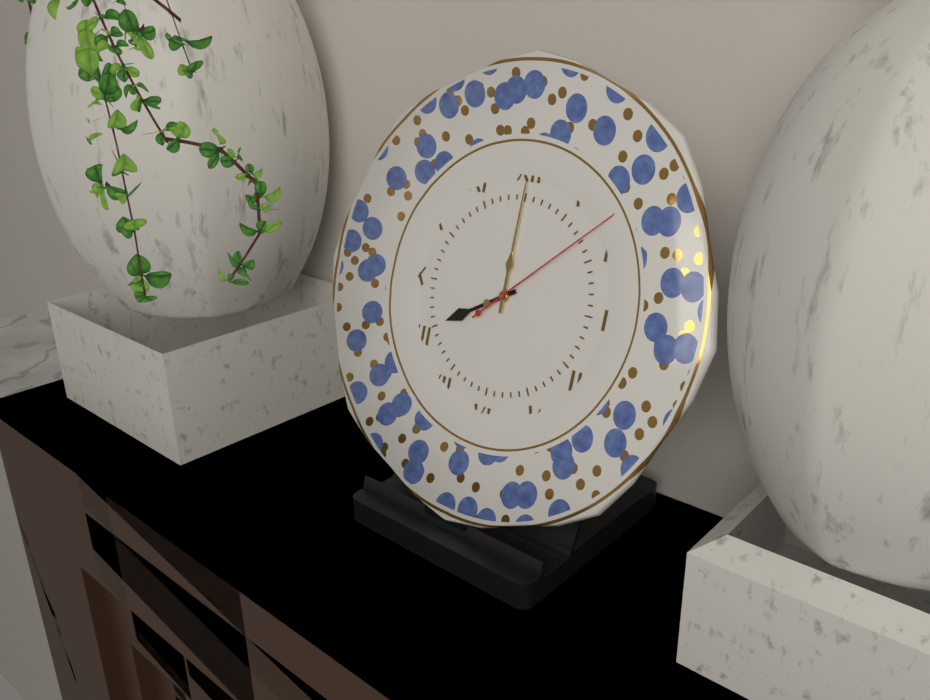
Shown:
8,00,08
